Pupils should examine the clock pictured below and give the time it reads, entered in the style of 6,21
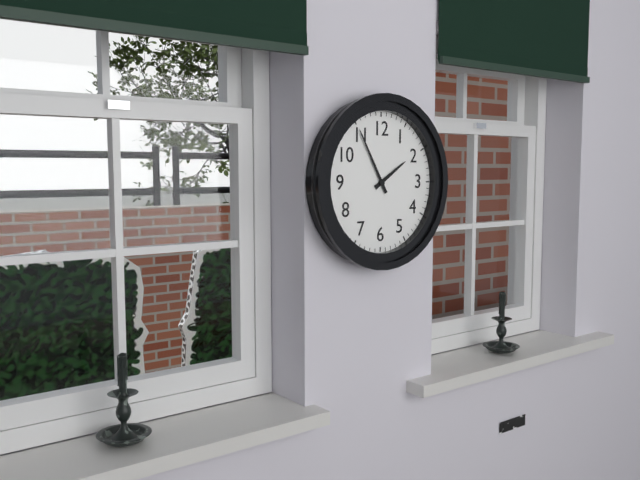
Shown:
1,55
